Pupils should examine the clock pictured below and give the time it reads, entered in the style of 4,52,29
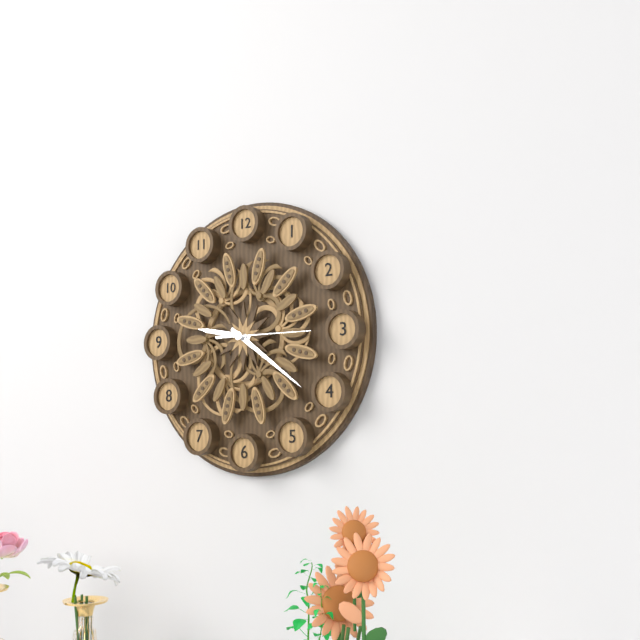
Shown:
9,21,15
